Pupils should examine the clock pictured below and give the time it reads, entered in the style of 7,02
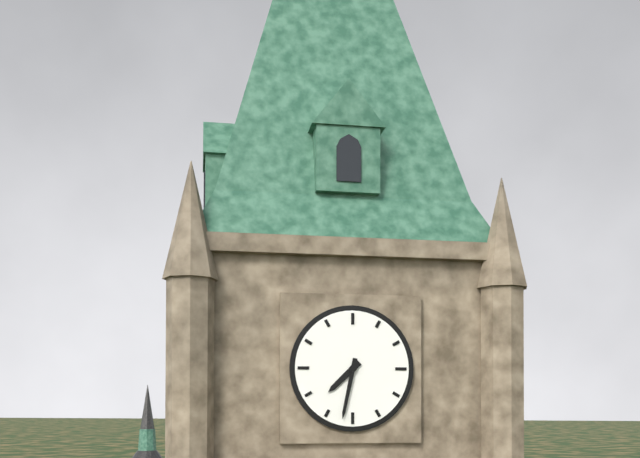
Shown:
7,32
